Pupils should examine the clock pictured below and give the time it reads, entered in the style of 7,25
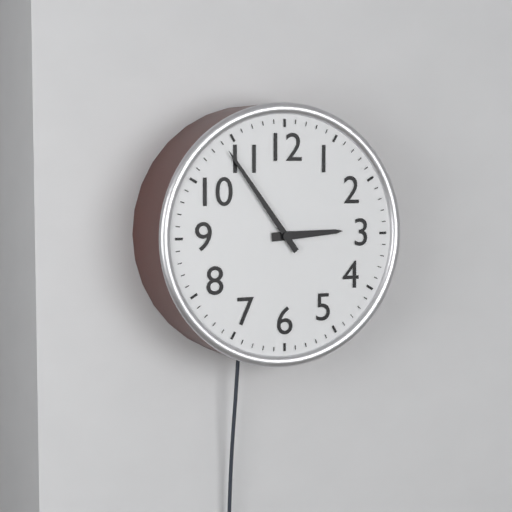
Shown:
2,54
